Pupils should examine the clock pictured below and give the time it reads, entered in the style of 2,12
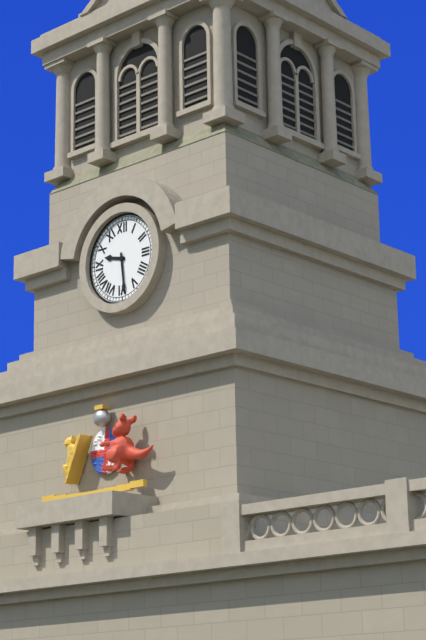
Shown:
9,29
